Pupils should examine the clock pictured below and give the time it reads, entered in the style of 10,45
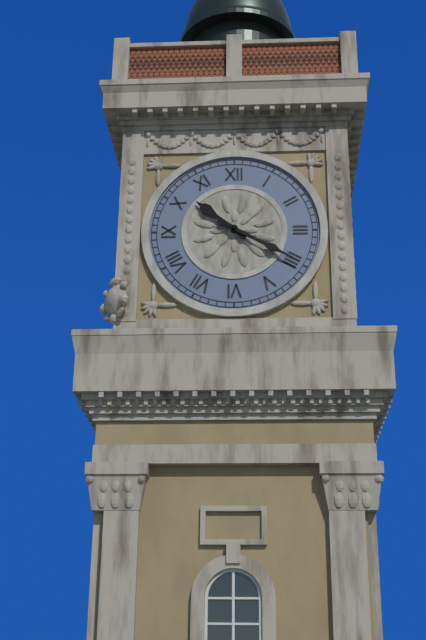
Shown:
10,20
